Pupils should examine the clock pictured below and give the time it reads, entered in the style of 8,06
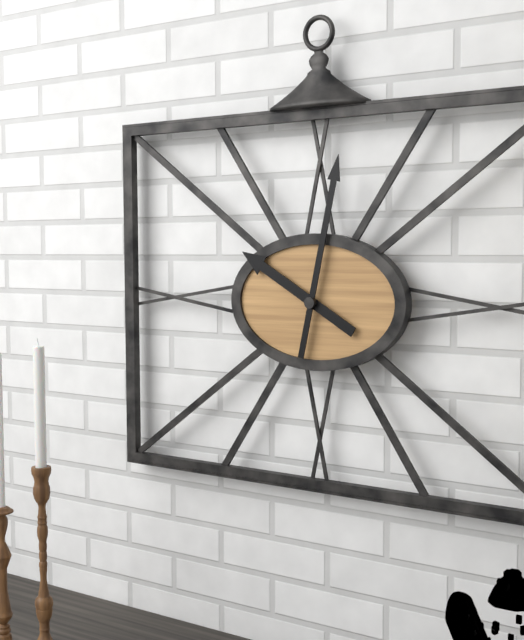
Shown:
10,02
